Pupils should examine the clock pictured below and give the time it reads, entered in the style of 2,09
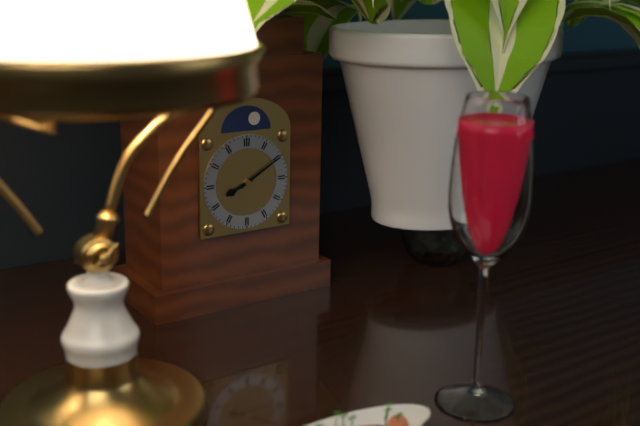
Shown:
8,10
